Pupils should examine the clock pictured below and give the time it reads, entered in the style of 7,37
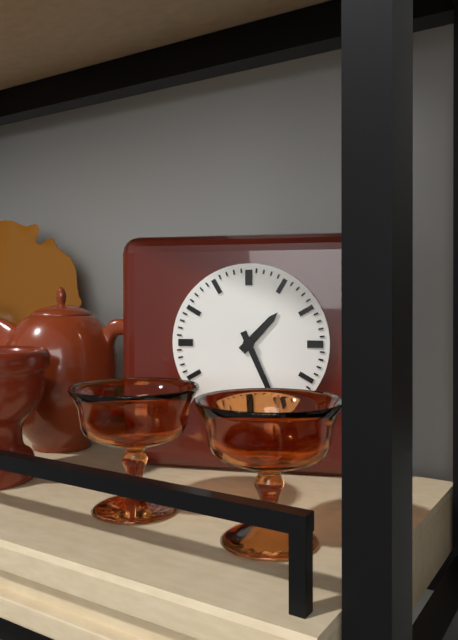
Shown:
1,26
